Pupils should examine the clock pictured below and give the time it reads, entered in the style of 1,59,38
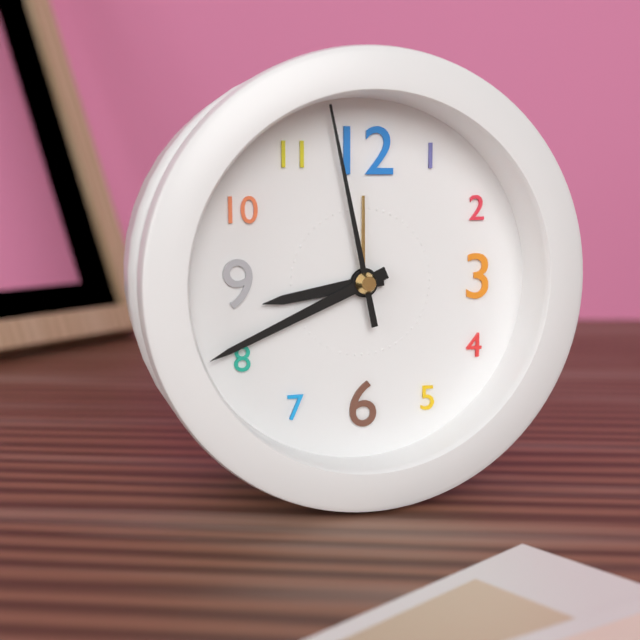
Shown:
8,41,58
